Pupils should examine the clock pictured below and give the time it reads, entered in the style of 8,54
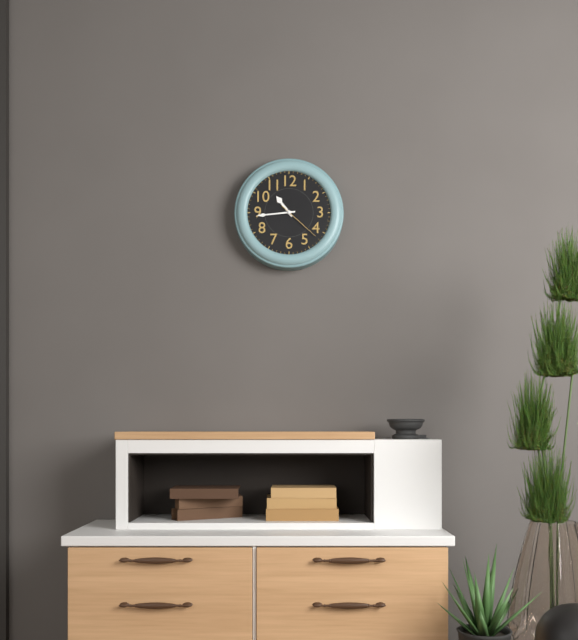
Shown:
10,44
